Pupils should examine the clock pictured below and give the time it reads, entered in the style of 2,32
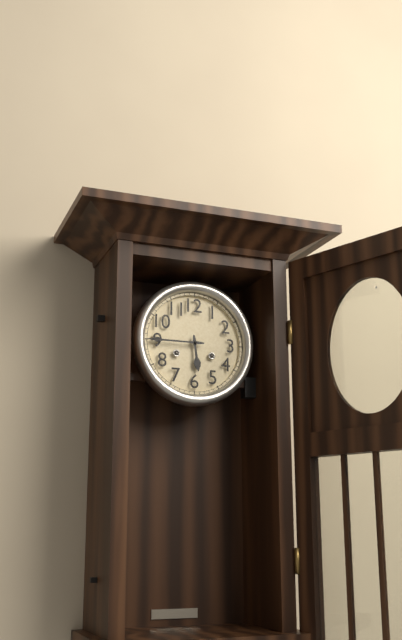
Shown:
5,45
